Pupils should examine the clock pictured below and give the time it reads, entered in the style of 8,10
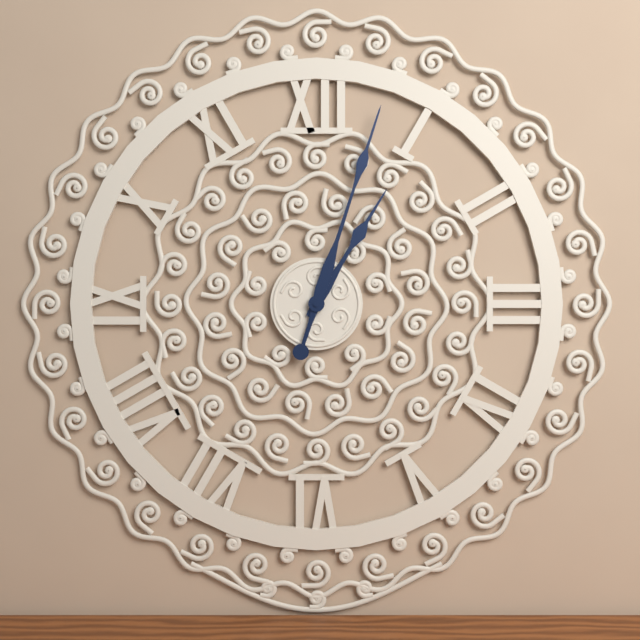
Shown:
1,03
